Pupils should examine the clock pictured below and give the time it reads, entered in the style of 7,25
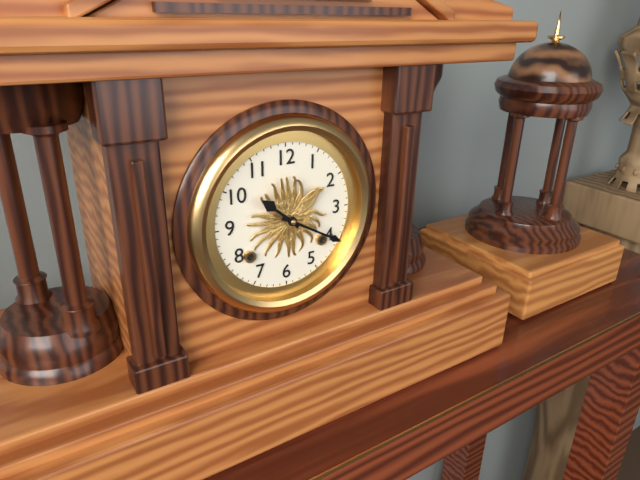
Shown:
10,20
